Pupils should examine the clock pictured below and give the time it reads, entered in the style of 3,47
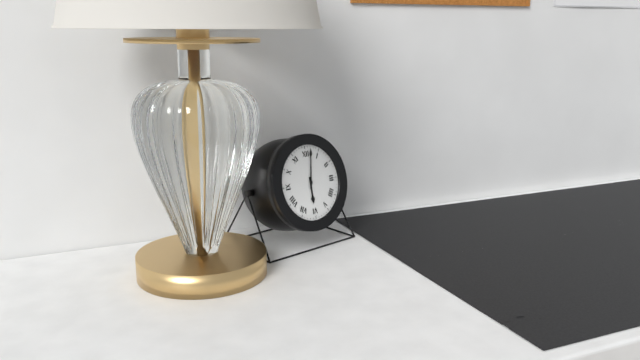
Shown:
6,02
